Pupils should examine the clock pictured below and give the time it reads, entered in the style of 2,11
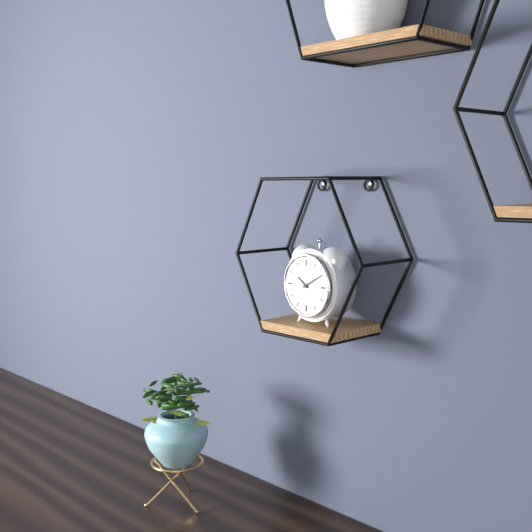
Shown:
10,10
